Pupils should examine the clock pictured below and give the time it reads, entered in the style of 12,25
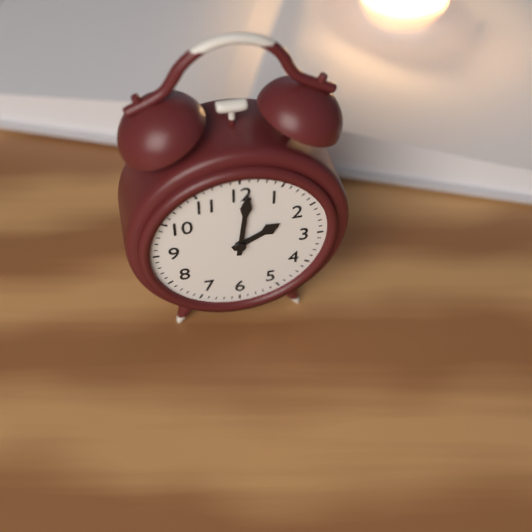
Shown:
2,01
